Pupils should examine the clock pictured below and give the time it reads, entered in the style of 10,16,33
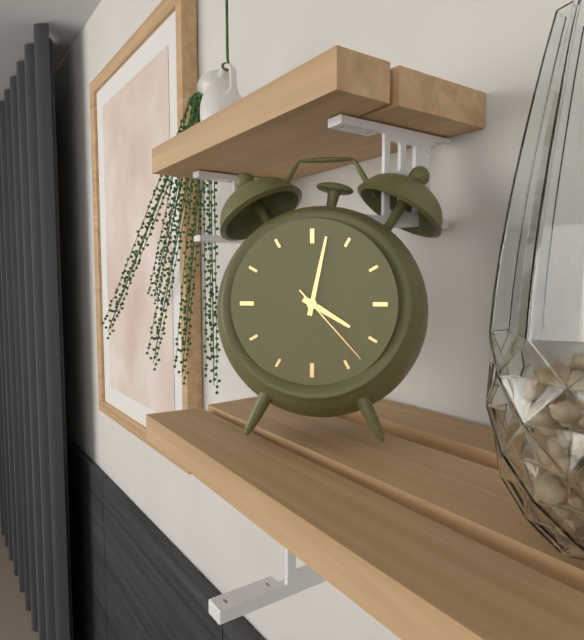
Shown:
4,02,23
